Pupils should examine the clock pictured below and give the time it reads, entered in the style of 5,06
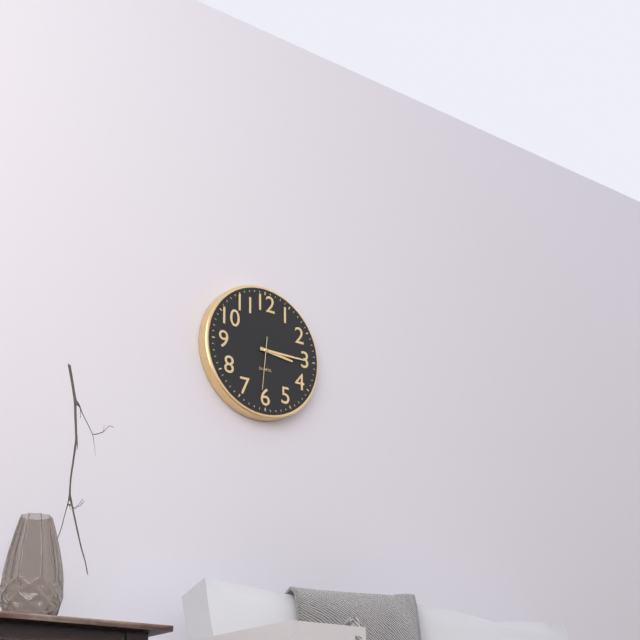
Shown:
3,15
